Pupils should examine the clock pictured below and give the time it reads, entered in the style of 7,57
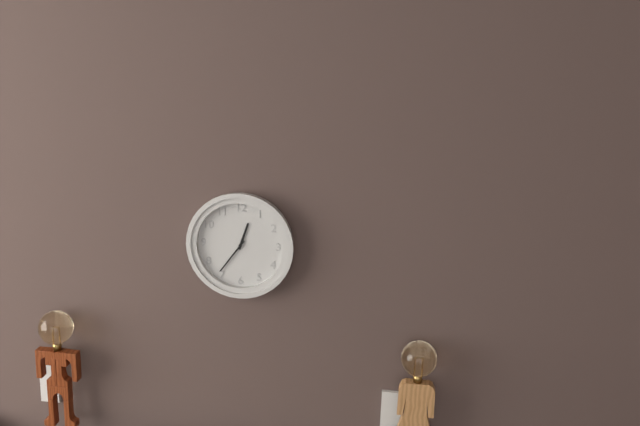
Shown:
12,36
